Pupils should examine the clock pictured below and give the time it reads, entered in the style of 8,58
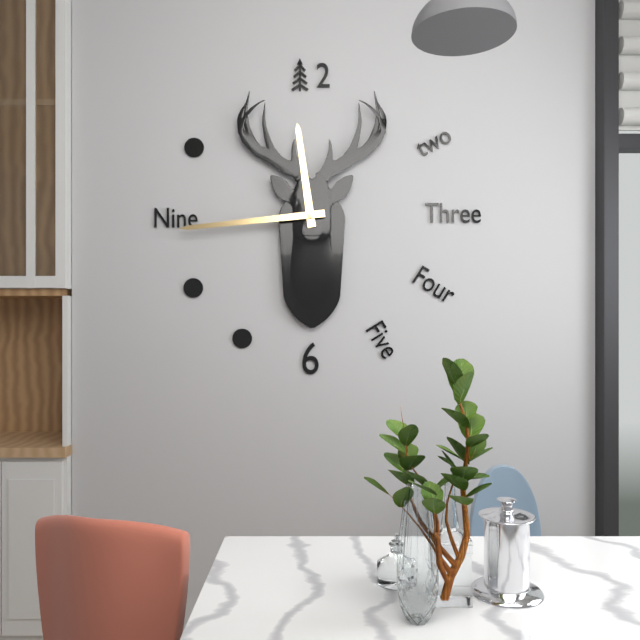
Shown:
11,44
